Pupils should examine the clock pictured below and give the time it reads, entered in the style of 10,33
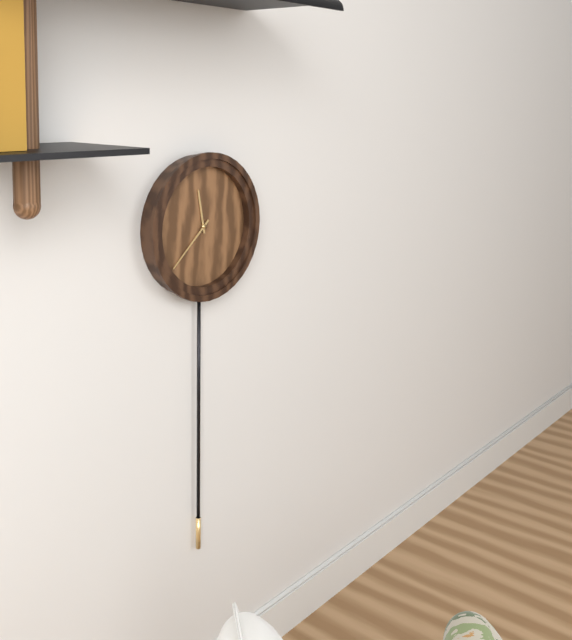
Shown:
11,38
